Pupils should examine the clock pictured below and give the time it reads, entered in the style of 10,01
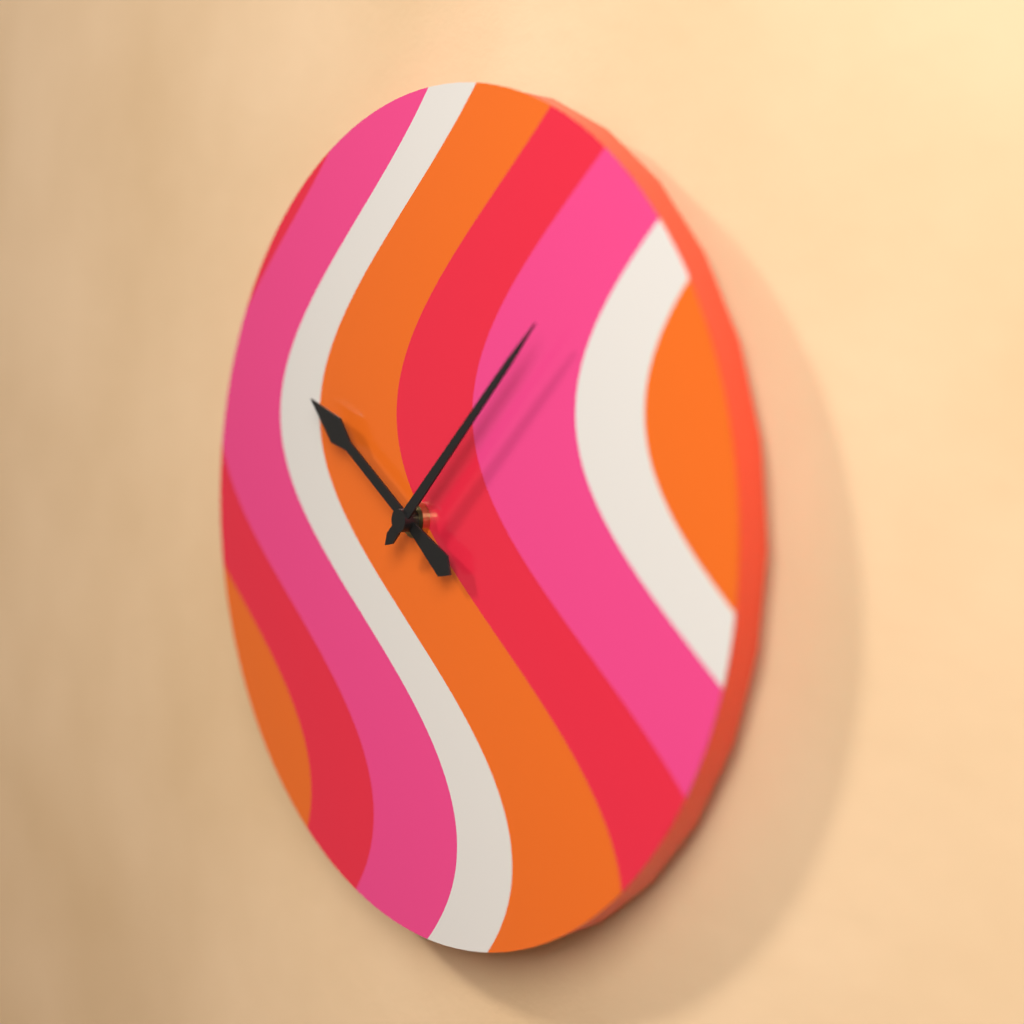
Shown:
10,08
